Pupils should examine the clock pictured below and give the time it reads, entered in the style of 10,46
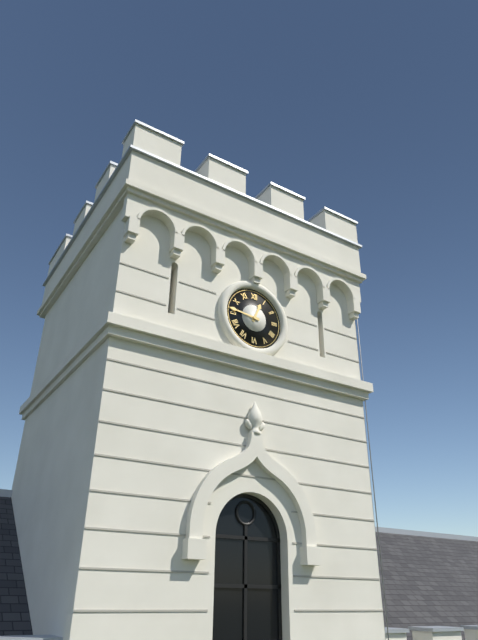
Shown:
12,46
